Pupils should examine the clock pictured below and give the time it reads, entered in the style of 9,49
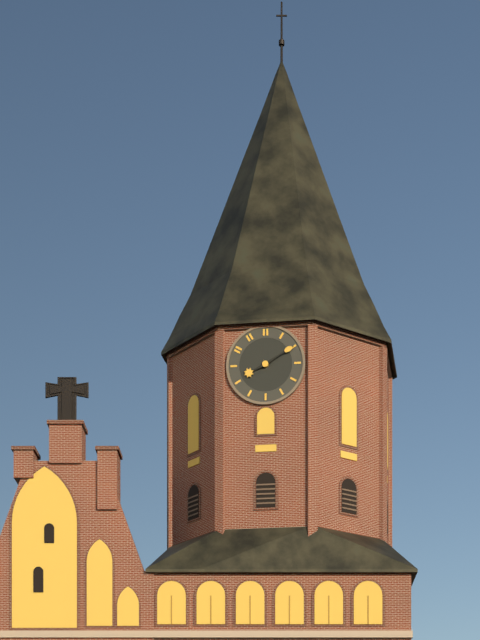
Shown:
8,10
